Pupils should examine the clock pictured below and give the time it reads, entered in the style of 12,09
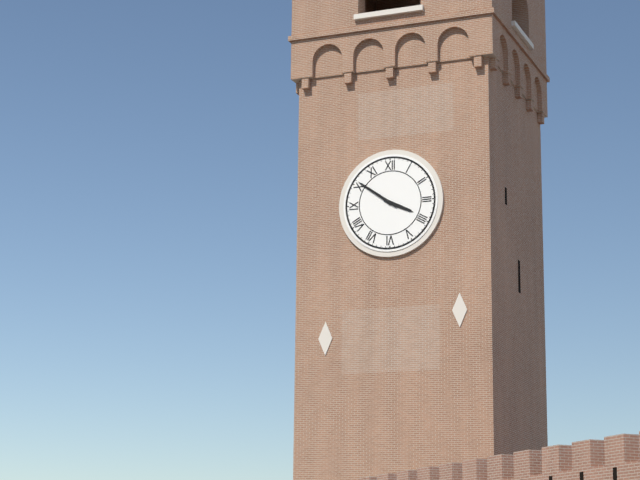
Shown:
3,51
